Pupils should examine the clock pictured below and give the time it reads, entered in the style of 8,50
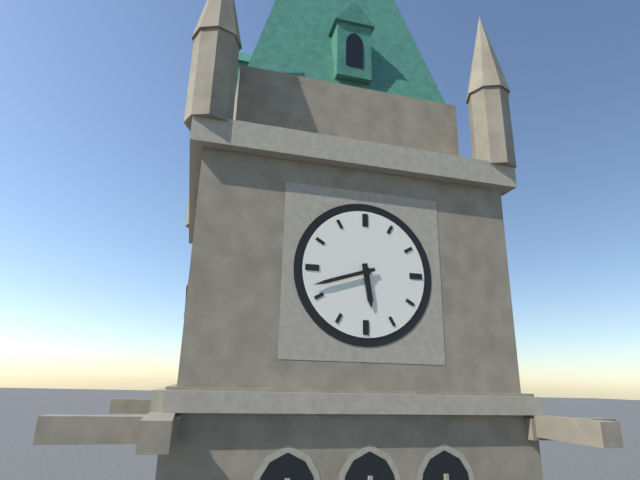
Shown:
5,42
